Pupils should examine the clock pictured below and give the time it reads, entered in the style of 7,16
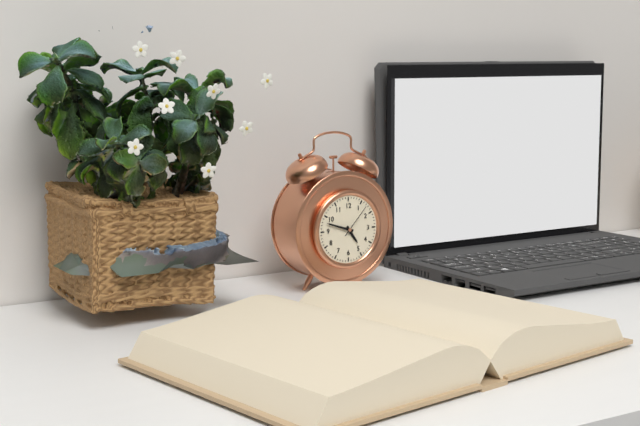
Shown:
4,48
